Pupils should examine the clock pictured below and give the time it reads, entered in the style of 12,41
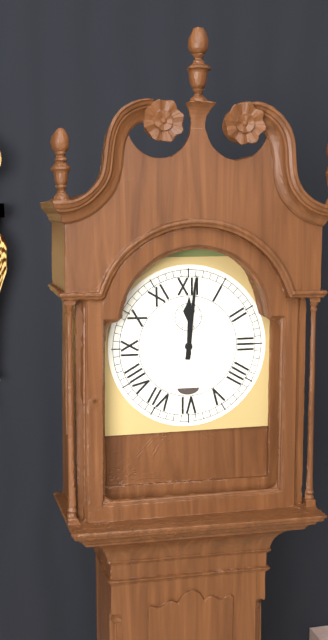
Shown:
12,01
